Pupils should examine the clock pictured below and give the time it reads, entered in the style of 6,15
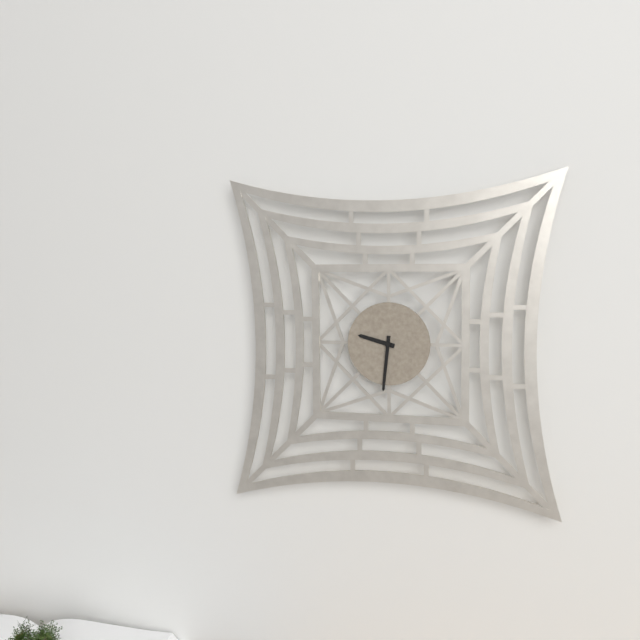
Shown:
9,31
